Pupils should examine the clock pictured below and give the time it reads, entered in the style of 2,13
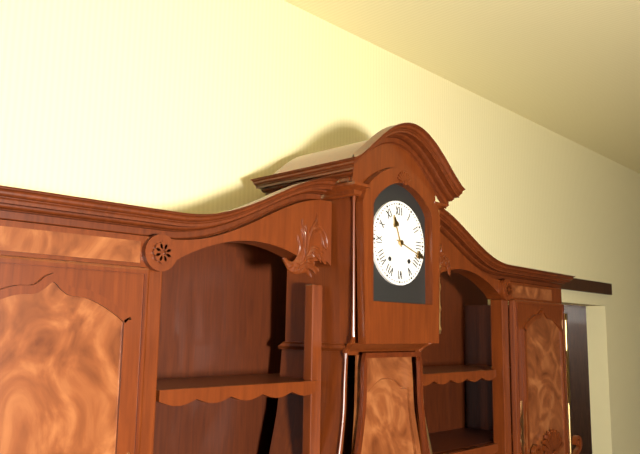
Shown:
11,18
